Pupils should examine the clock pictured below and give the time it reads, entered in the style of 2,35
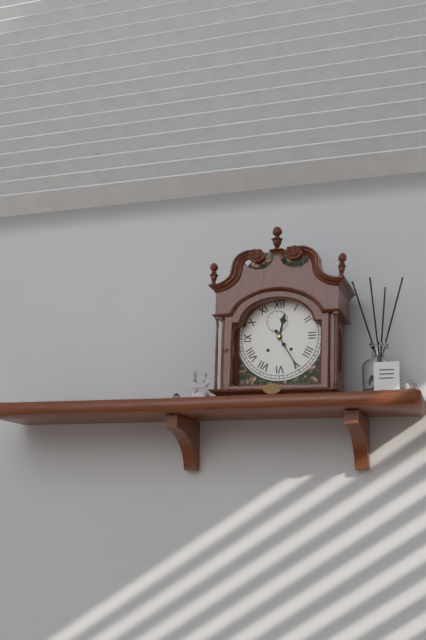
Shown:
12,25
